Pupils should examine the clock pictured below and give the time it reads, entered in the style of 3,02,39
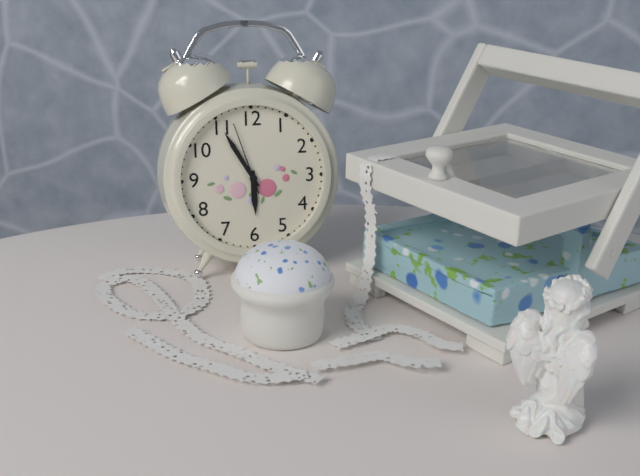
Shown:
5,55,57
